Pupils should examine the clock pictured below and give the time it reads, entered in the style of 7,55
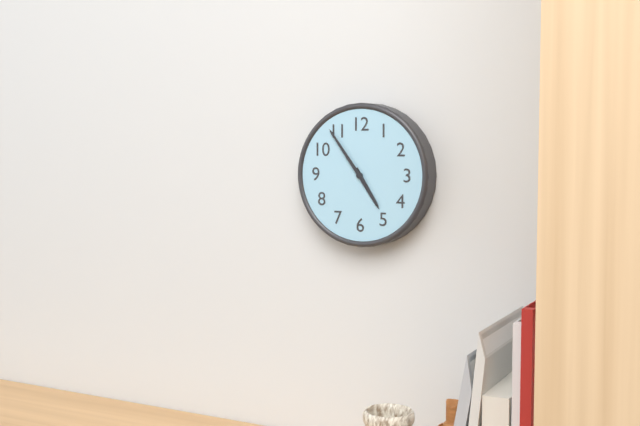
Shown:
4,54
